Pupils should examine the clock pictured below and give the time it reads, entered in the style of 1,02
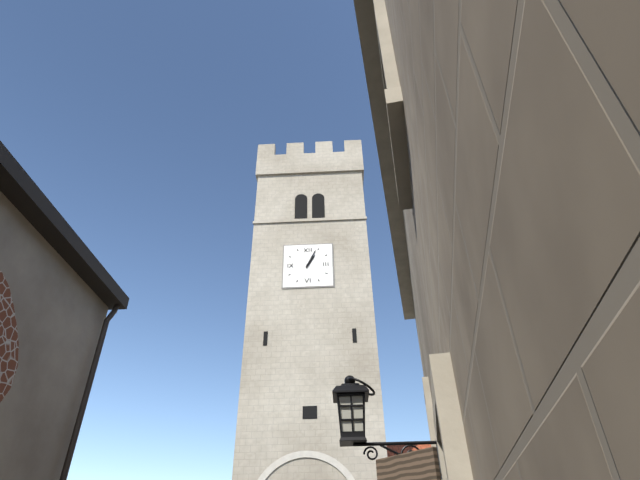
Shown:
1,04
